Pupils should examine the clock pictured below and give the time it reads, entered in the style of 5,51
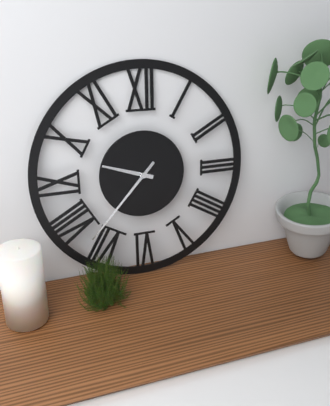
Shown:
9,37
